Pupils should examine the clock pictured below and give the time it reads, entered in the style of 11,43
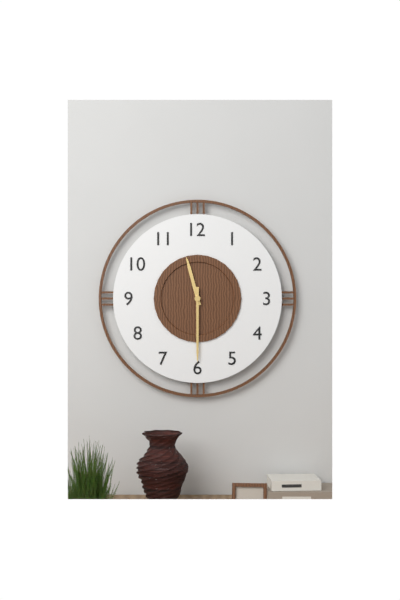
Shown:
11,30
